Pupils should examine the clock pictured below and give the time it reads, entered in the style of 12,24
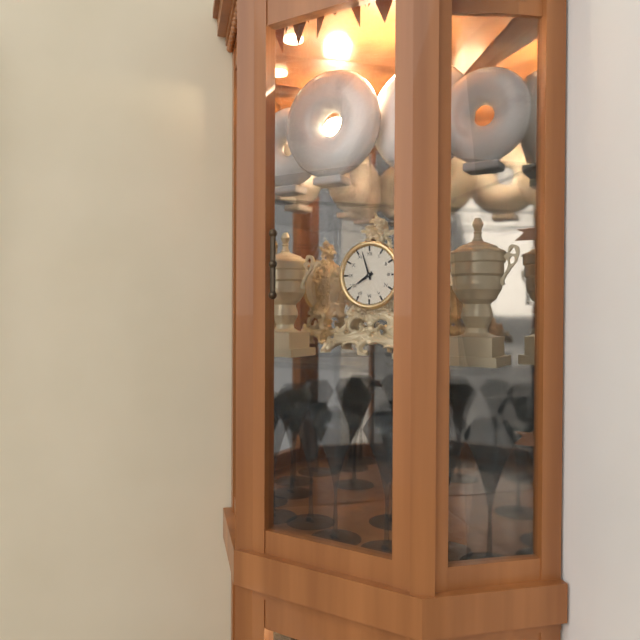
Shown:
7,57
